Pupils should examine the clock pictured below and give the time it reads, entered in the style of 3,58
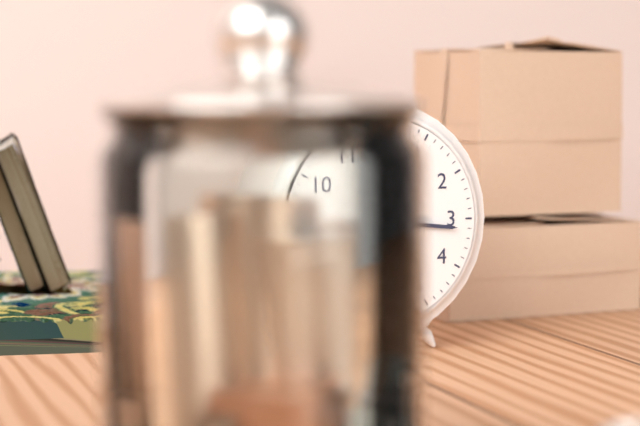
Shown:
12,16
